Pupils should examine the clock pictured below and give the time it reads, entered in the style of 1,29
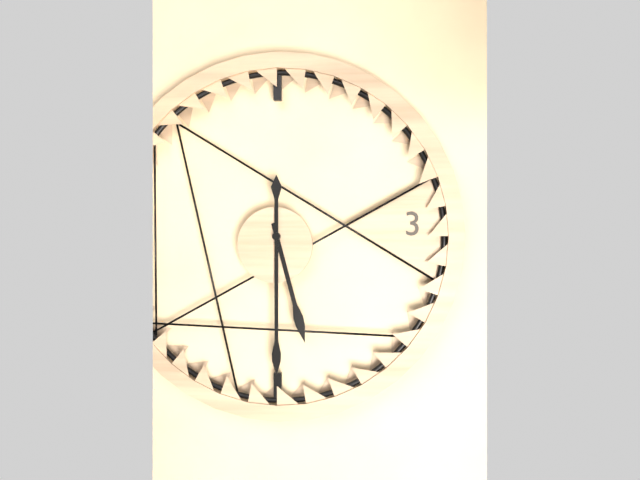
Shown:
5,30
